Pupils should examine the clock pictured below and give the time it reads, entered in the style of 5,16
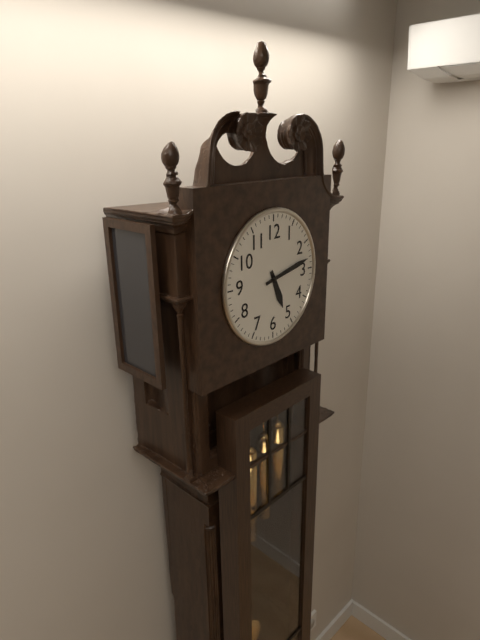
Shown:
5,13
